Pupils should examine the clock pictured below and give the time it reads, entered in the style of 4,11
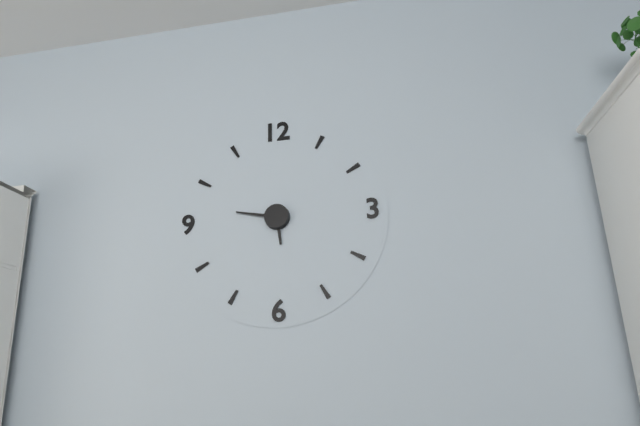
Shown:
5,47
